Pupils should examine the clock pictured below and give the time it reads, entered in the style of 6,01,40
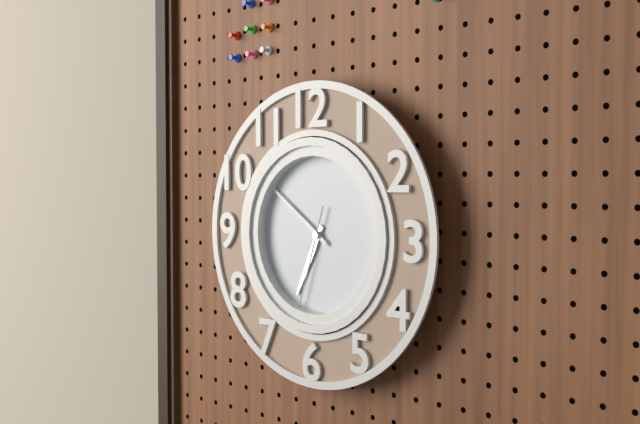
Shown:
6,51,33
